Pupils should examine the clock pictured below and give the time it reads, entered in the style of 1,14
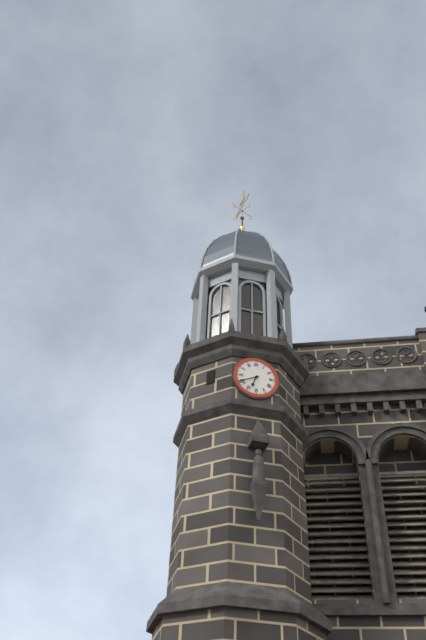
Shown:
6,41
